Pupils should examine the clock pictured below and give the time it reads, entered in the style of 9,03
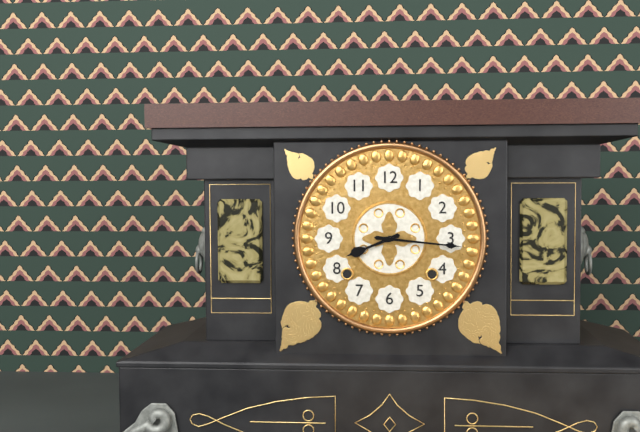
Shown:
8,16
